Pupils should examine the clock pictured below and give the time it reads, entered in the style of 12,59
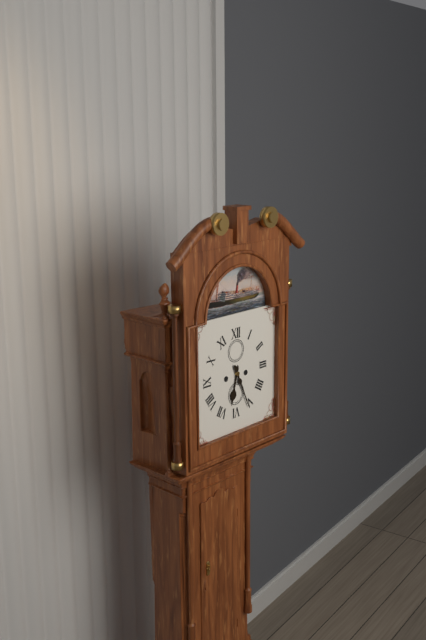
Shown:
6,26
